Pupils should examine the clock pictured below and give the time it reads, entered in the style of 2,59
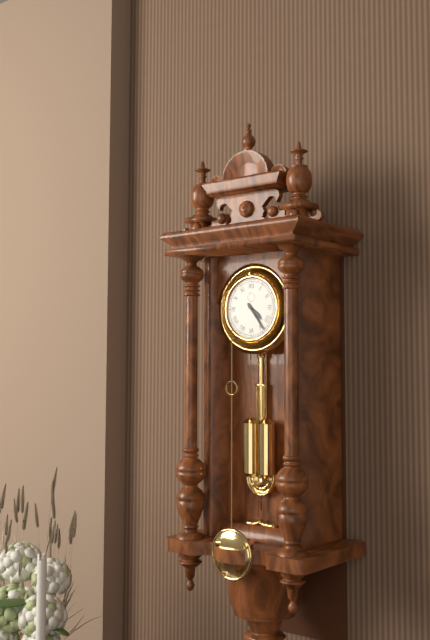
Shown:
4,24
